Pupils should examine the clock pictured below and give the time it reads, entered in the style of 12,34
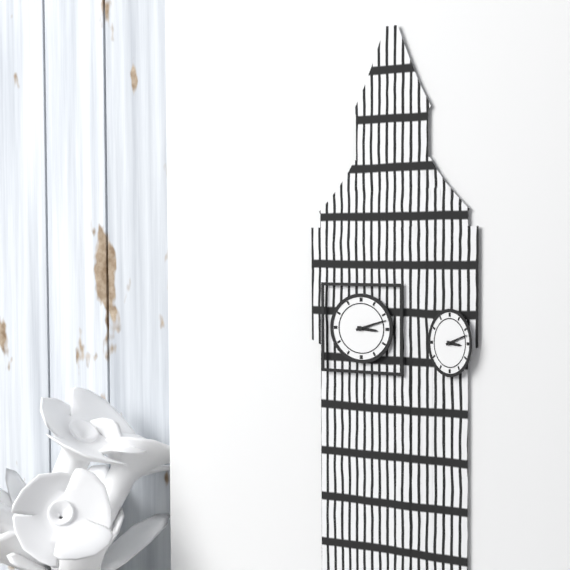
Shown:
3,12
